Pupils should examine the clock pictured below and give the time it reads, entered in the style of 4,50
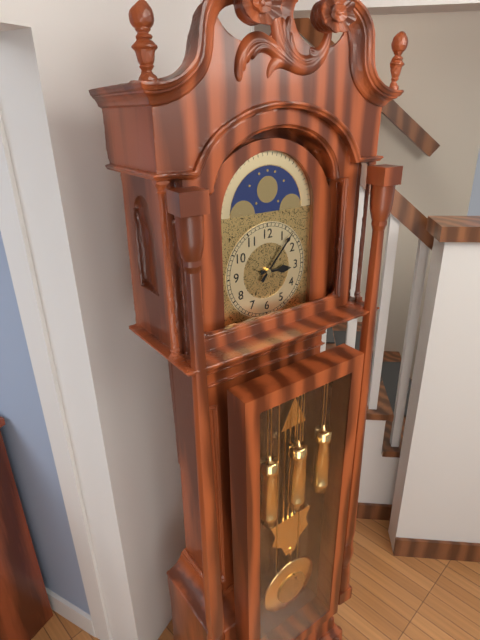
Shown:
3,07
